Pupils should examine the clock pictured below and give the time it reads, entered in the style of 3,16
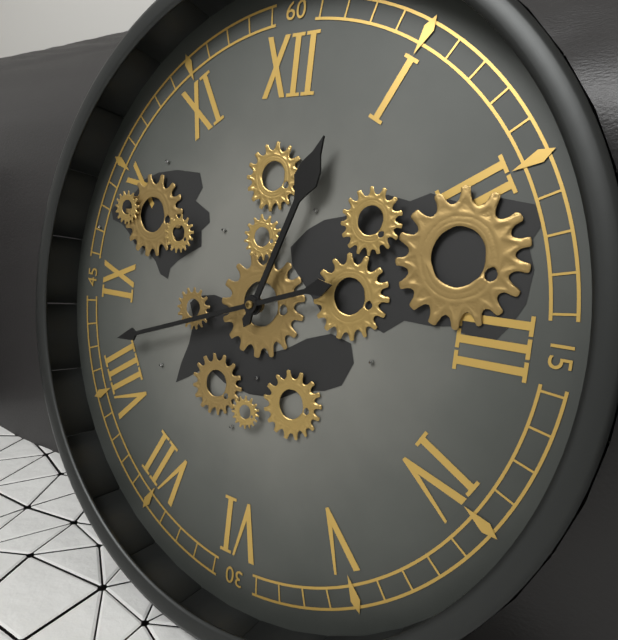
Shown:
12,42
